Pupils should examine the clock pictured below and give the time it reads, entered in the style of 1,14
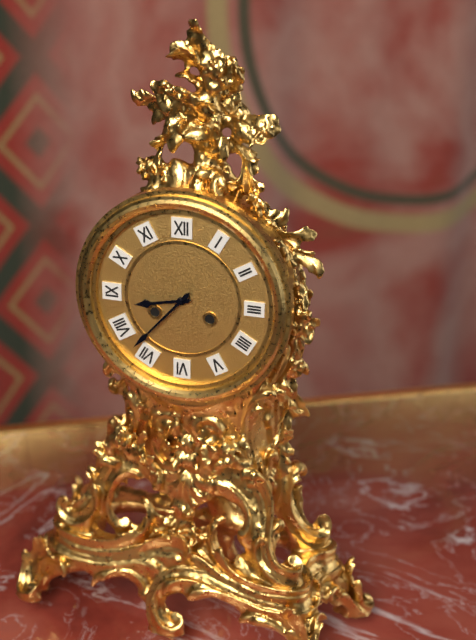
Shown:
8,37
